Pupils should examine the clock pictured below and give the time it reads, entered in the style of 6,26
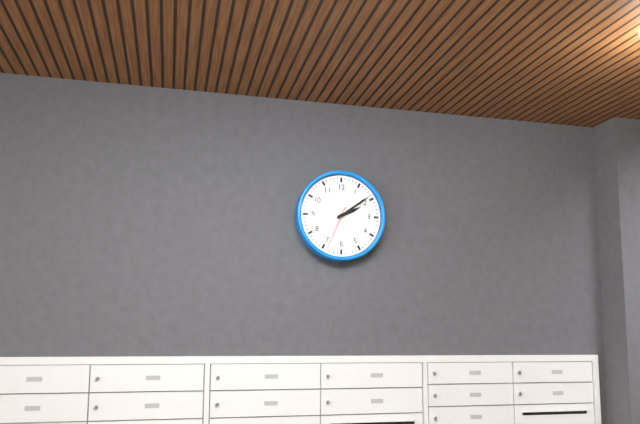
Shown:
2,09
